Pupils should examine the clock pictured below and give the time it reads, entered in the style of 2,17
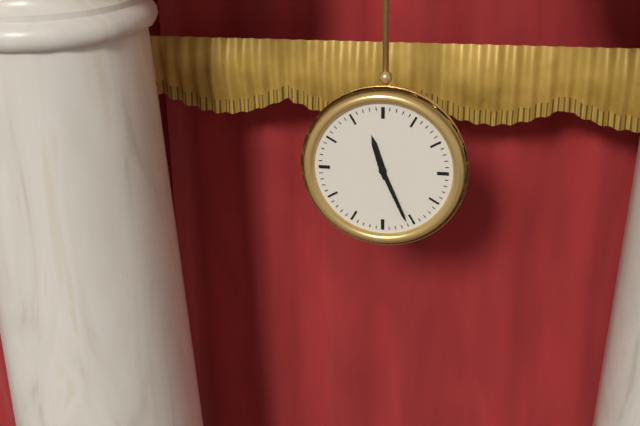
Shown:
11,26
